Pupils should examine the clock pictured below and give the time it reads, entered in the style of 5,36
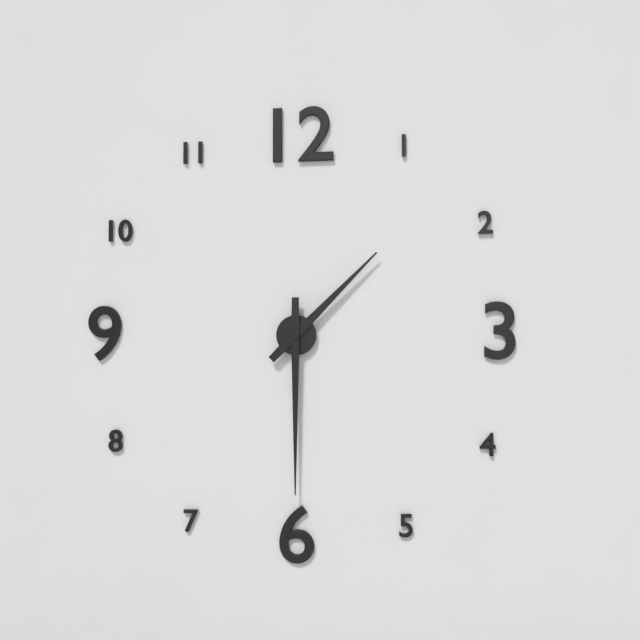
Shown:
1,30
